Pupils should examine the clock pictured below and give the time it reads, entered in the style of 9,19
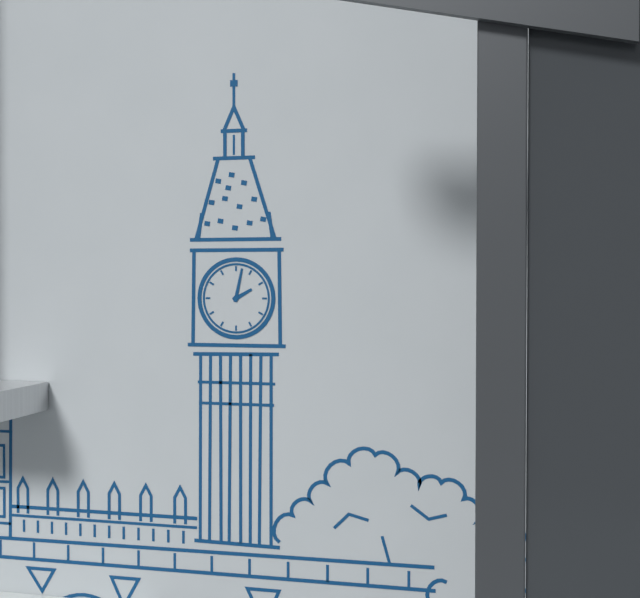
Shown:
2,02
